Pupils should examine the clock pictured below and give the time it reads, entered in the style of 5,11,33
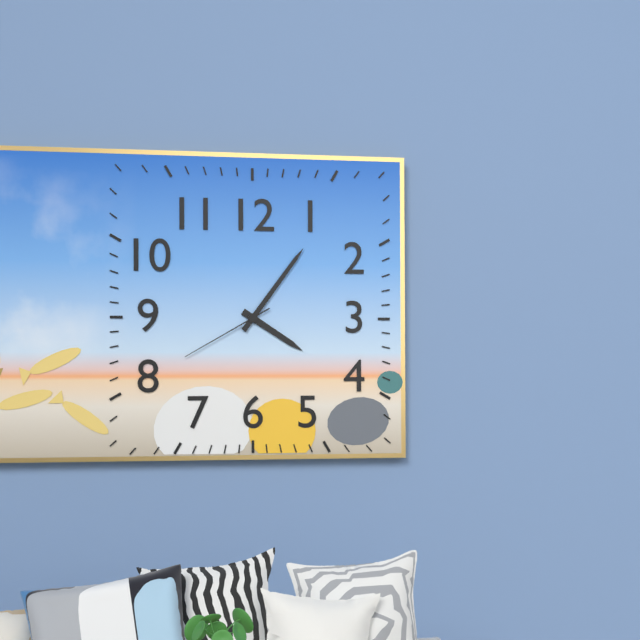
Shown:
4,06,40
